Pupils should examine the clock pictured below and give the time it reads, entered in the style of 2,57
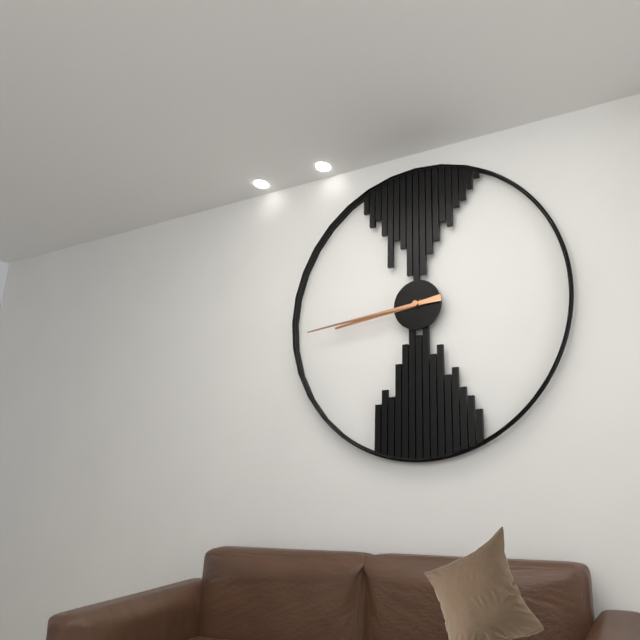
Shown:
8,44
